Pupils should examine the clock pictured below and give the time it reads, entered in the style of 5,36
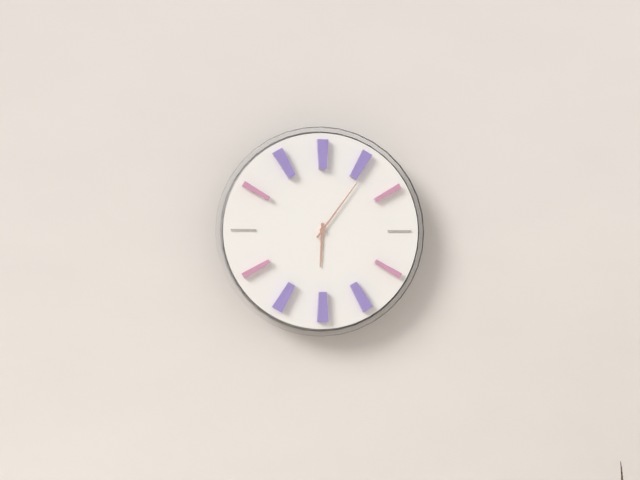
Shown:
6,06
